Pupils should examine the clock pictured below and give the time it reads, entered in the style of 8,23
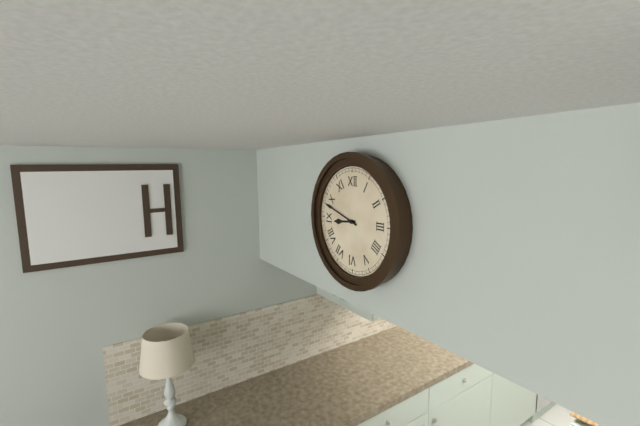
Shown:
8,48
